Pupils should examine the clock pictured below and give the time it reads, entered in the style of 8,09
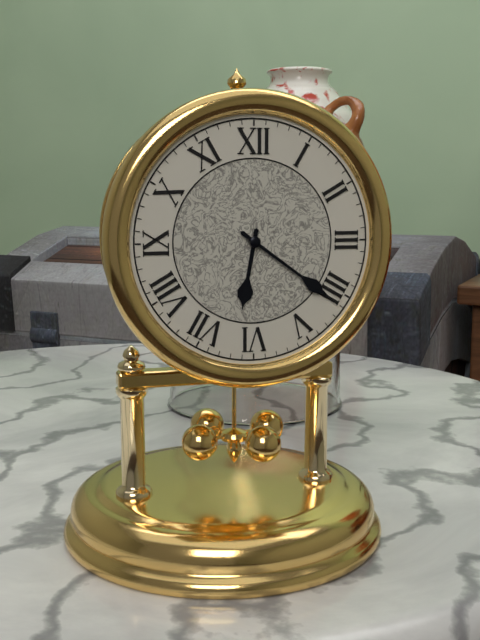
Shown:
6,21
